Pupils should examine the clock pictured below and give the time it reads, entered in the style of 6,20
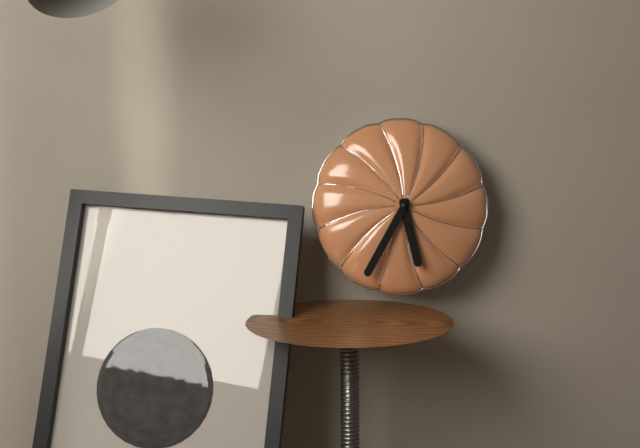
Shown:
5,35
